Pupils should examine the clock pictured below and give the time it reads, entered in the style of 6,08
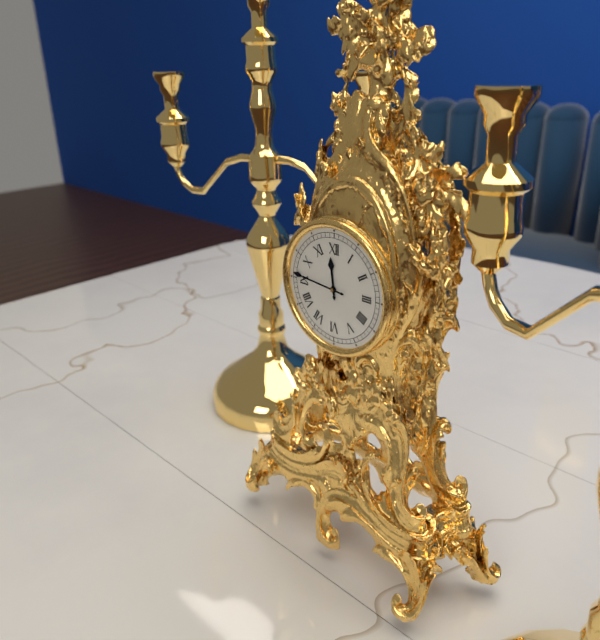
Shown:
11,46
